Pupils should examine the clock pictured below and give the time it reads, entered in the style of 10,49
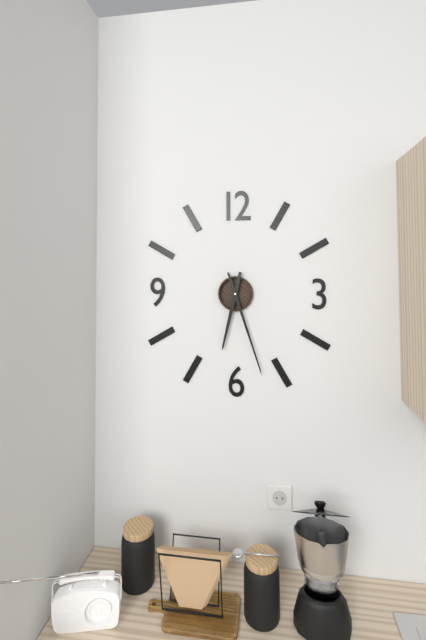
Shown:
6,27
